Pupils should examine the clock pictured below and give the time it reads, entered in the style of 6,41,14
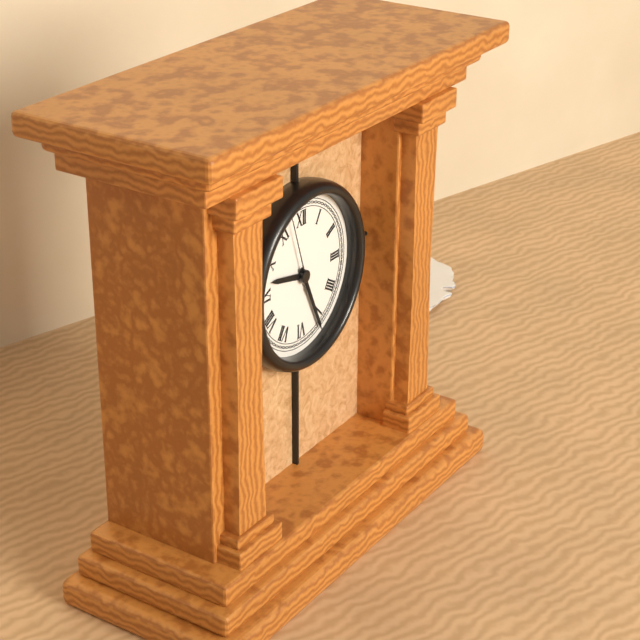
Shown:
9,26,57
